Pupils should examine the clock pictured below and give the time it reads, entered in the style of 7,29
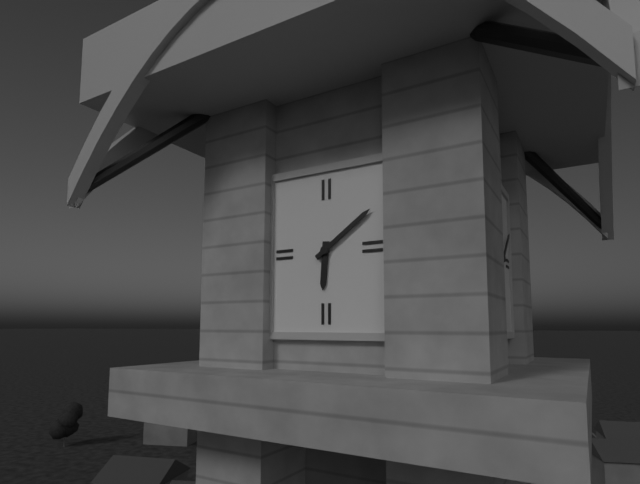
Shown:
6,09
